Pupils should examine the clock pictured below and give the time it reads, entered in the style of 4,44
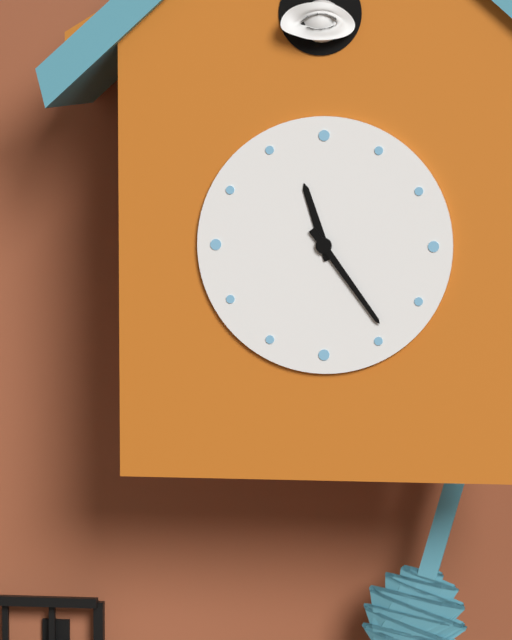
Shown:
11,24
